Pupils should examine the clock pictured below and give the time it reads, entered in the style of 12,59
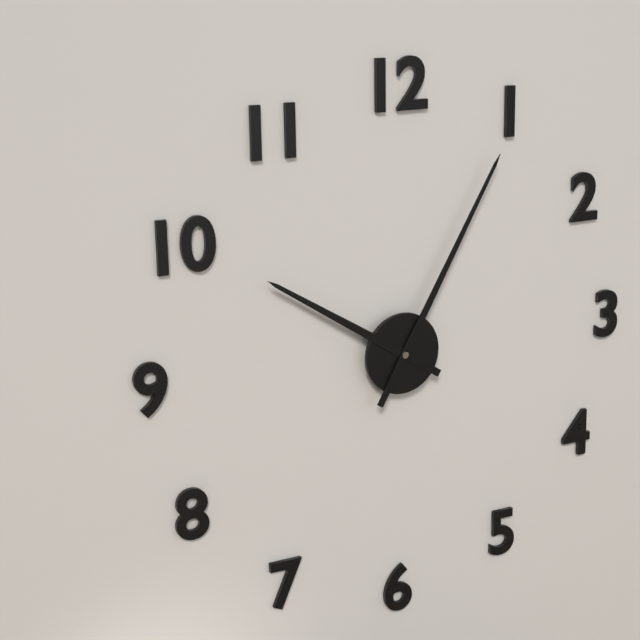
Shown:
10,05
